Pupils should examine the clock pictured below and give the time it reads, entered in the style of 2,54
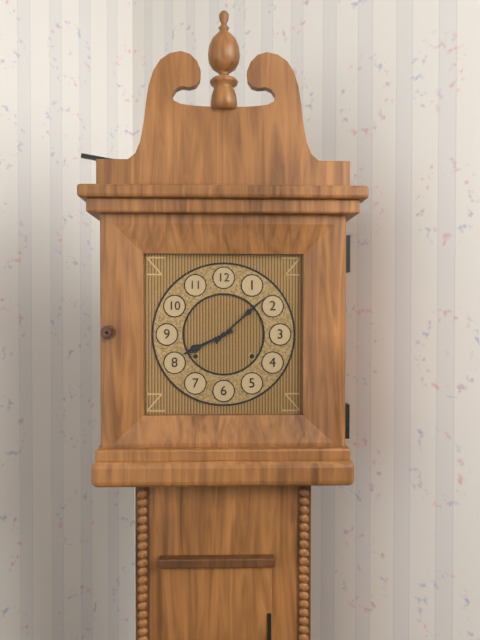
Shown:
8,08
